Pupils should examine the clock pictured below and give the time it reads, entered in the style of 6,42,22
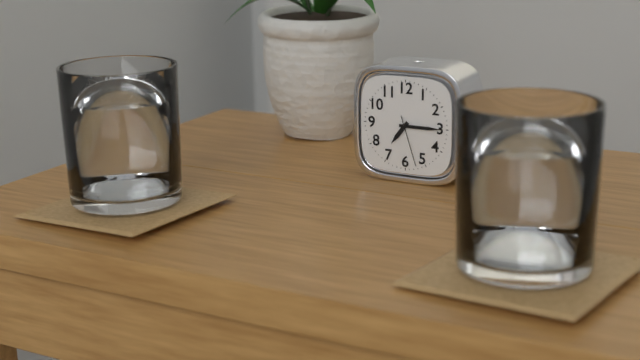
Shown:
7,15,27
